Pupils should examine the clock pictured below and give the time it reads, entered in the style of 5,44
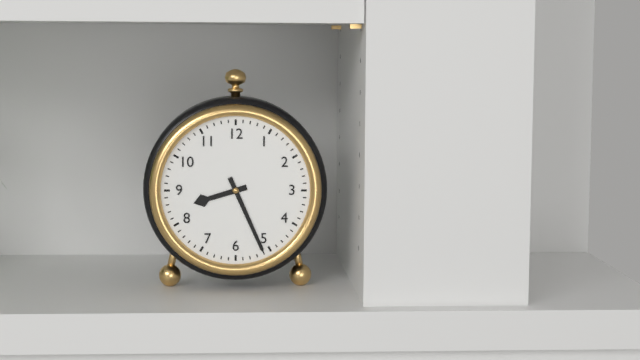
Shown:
8,26
